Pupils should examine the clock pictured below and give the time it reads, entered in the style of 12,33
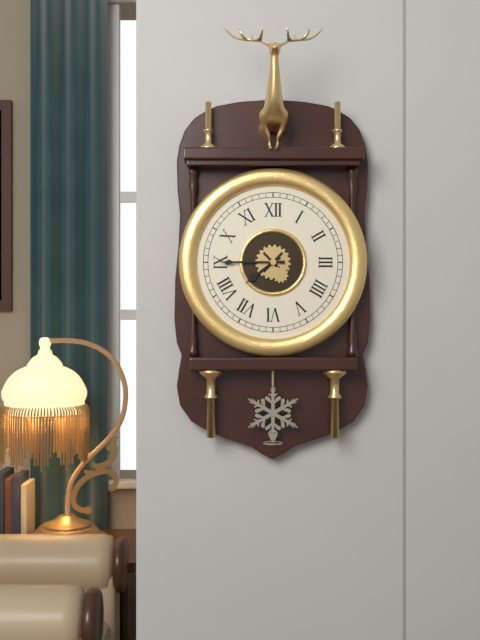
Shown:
7,45
